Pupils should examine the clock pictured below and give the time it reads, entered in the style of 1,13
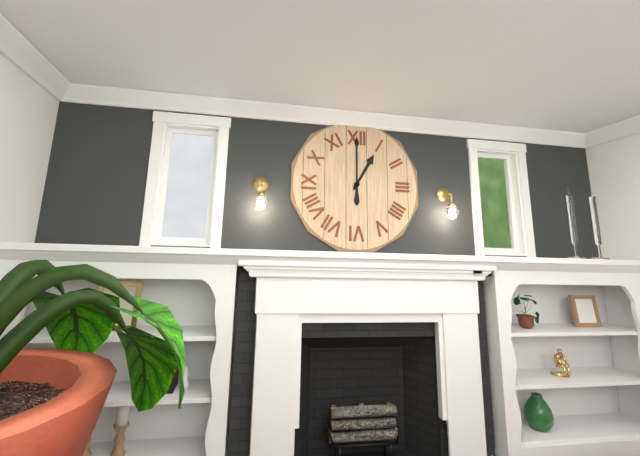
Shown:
1,00
